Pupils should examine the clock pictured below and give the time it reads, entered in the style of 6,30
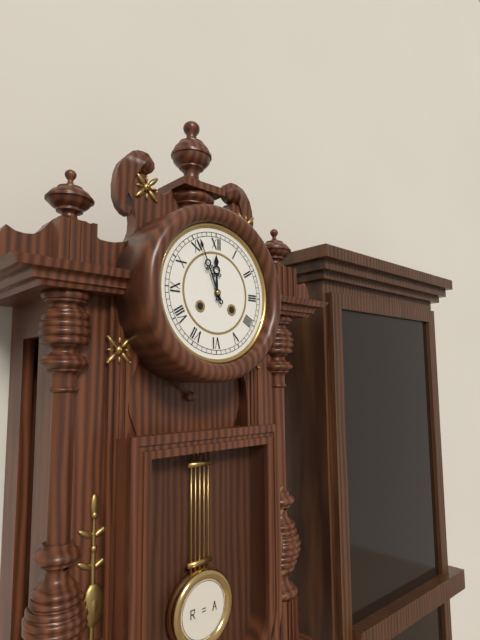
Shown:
11,56
